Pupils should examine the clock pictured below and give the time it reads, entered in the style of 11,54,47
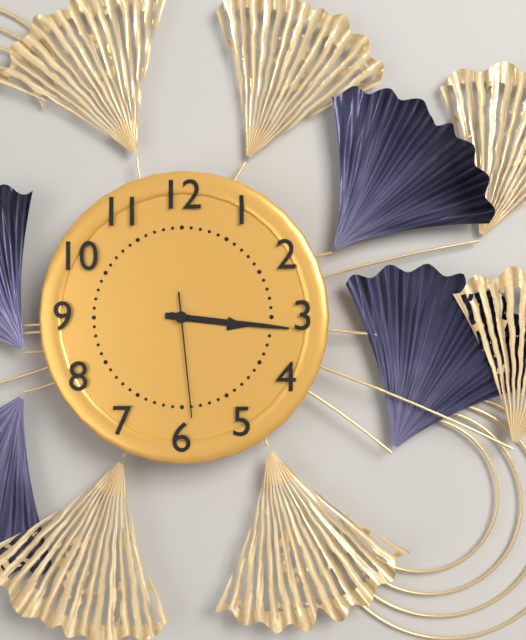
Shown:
3,16,29
